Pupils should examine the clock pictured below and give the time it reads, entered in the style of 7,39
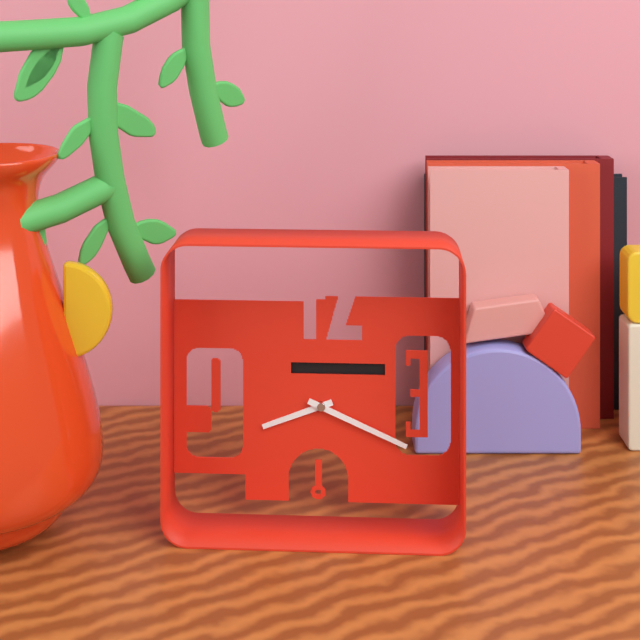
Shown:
8,19
